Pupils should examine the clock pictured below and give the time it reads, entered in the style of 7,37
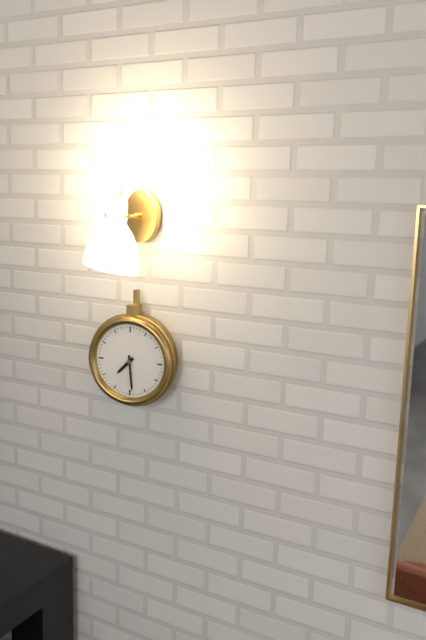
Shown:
7,29
